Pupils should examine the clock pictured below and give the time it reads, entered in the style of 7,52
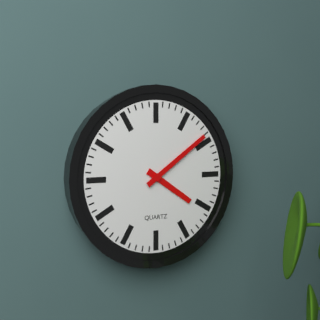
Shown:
4,09
